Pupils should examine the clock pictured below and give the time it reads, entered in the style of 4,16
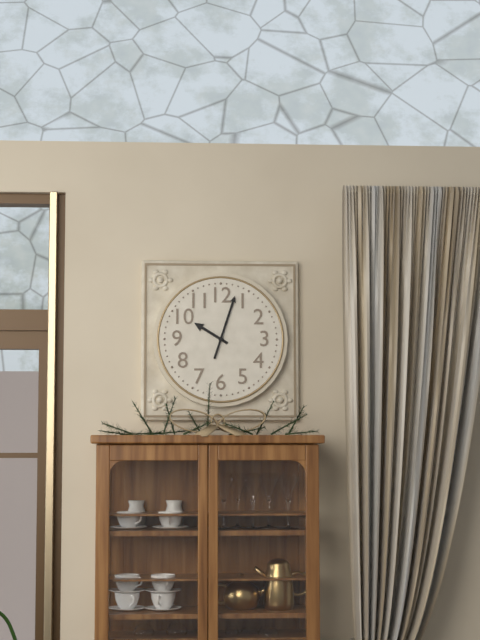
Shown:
10,03
